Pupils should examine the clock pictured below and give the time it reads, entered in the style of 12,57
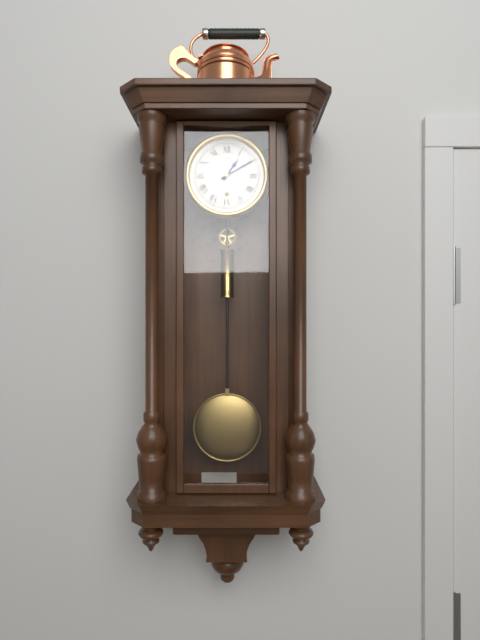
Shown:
1,10
